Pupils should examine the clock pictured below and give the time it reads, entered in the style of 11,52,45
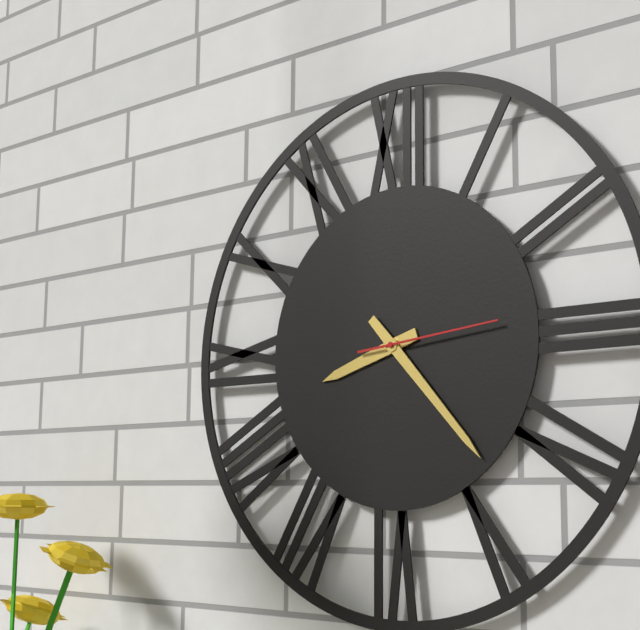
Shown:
8,23,14
